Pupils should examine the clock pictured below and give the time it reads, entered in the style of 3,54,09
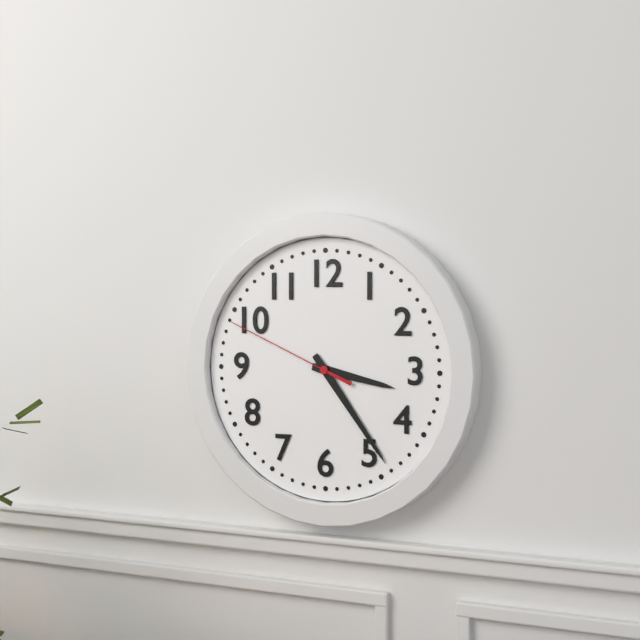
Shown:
3,24,49
